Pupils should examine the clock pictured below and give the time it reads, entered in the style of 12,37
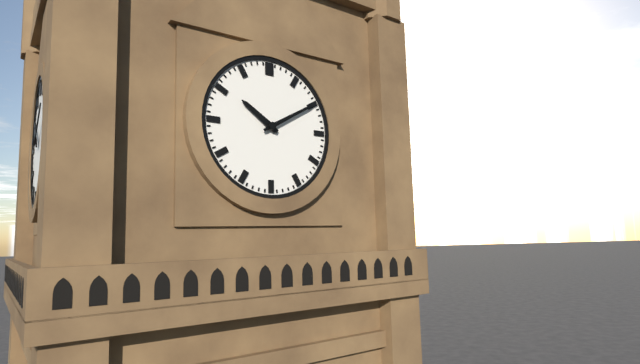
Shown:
10,10
